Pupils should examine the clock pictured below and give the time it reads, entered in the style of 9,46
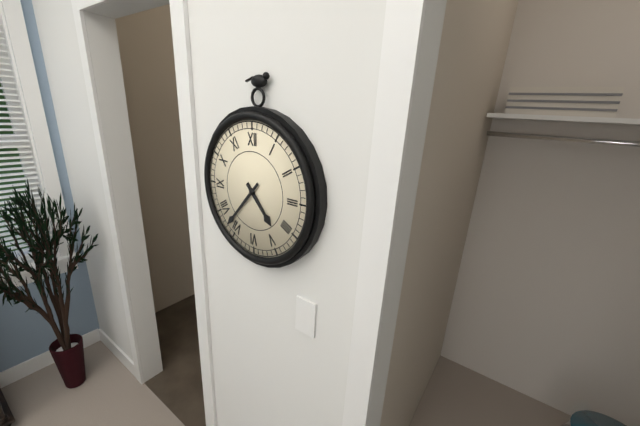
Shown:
4,37
